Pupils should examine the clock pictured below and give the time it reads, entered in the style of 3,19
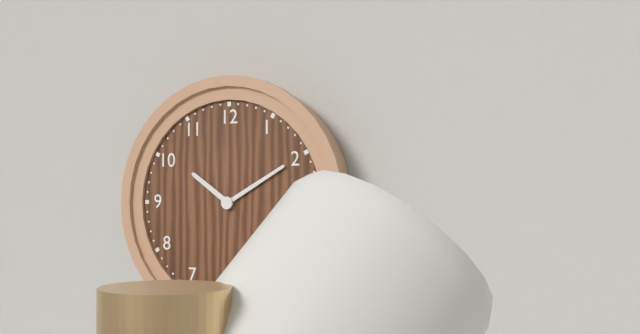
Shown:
10,10
